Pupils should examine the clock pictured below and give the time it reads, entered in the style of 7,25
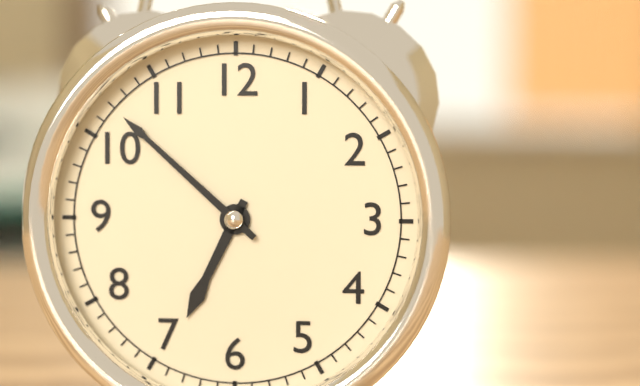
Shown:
6,52
